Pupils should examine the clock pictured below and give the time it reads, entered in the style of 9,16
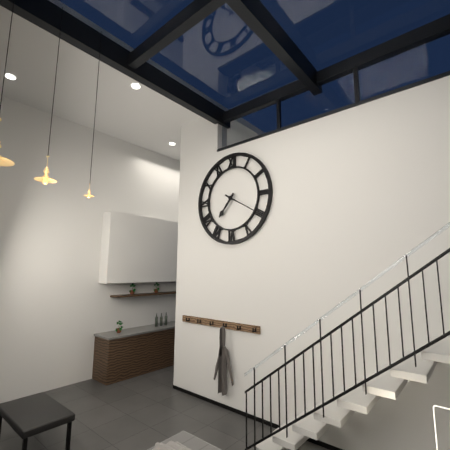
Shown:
7,20
